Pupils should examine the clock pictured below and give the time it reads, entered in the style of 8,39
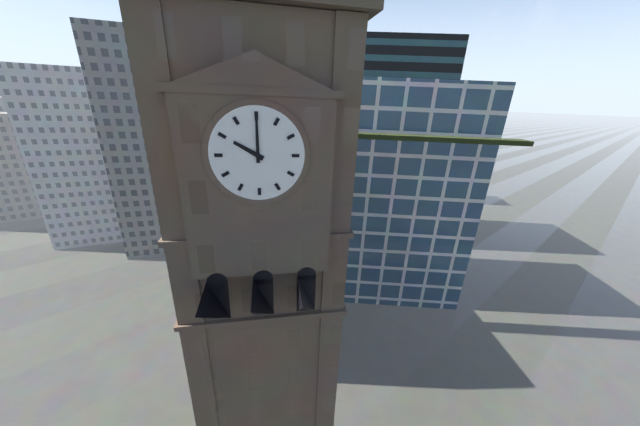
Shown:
10,00
